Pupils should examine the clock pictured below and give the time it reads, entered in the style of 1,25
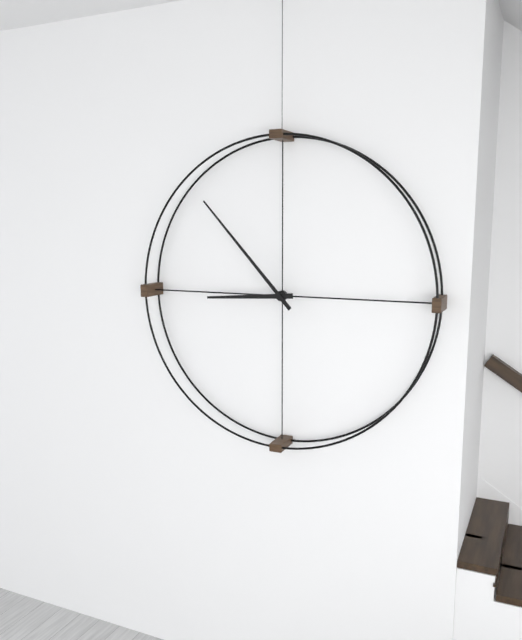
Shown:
8,53
